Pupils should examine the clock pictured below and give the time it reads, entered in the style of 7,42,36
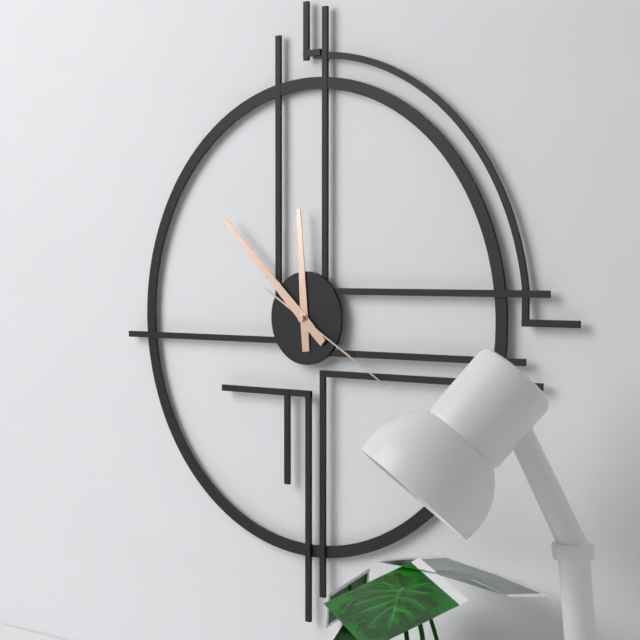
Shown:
11,52,20
